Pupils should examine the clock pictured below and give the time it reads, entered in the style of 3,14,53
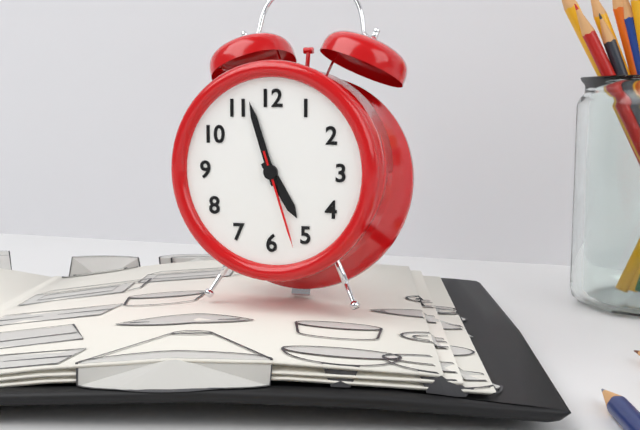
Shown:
4,57,27
